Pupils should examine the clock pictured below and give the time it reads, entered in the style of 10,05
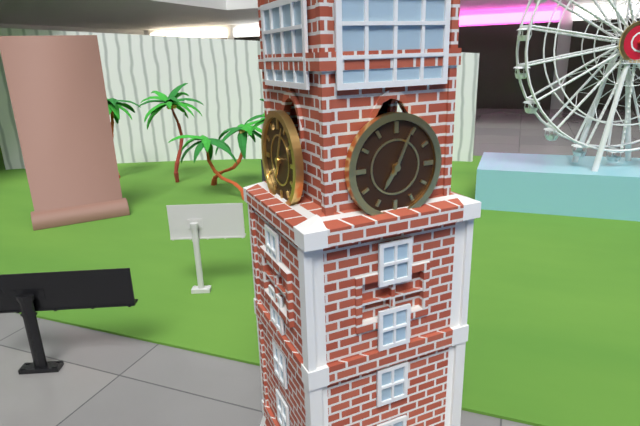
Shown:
7,04
